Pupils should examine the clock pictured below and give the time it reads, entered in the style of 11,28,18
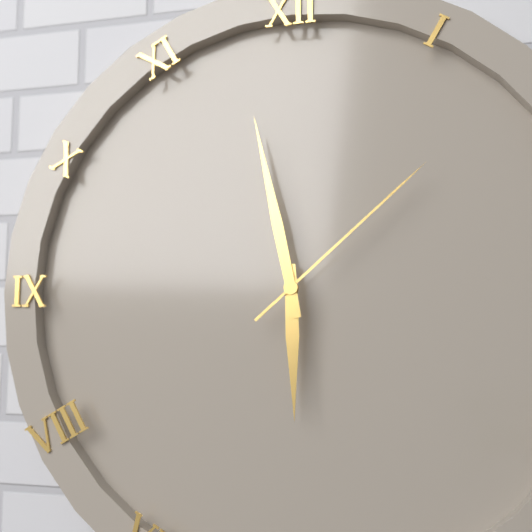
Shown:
5,58,08
